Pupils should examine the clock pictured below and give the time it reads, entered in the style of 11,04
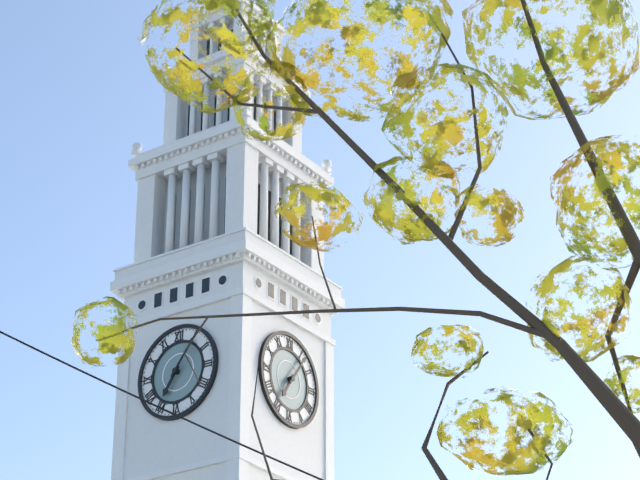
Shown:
7,06
